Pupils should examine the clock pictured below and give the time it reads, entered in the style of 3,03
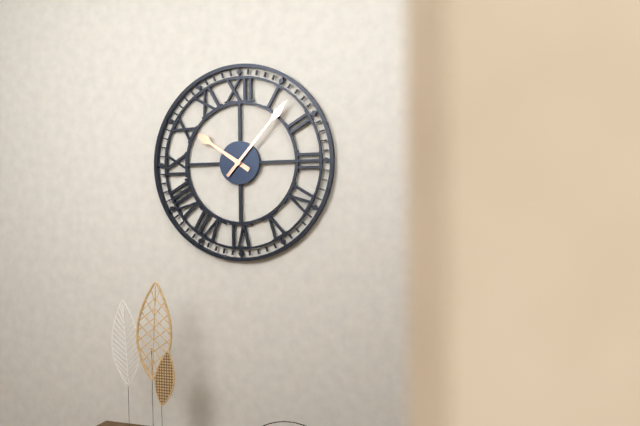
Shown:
10,07
